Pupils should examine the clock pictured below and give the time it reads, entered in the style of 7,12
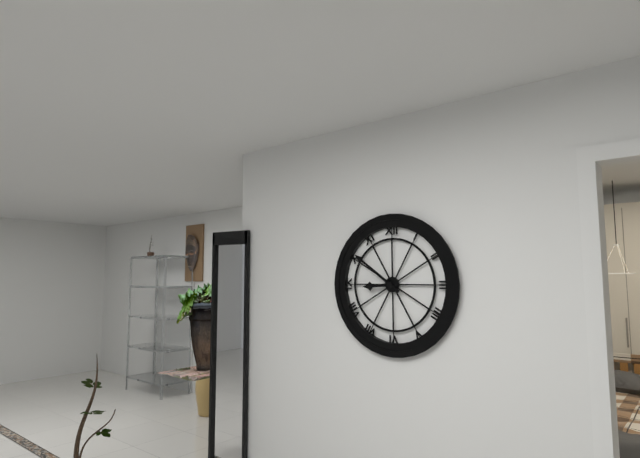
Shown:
8,51
